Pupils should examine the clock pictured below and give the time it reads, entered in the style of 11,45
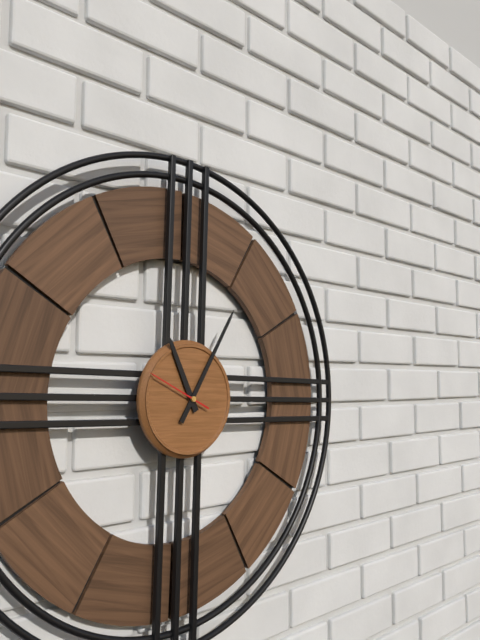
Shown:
11,05
